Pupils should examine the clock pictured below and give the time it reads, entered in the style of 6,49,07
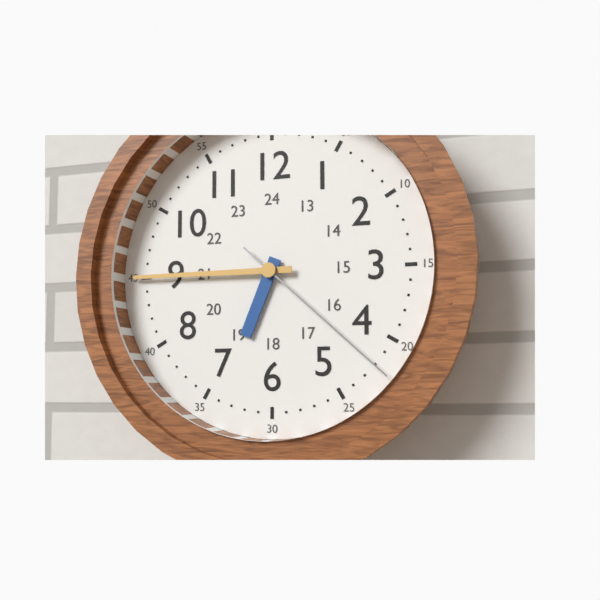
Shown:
6,45,22
